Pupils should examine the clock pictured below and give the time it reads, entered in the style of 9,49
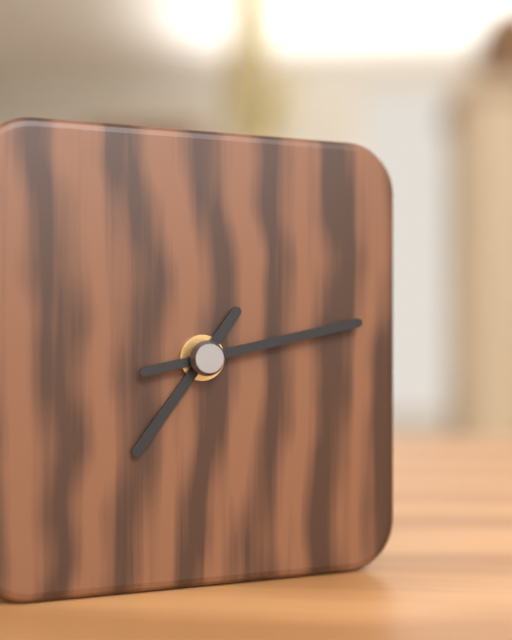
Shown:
7,13
